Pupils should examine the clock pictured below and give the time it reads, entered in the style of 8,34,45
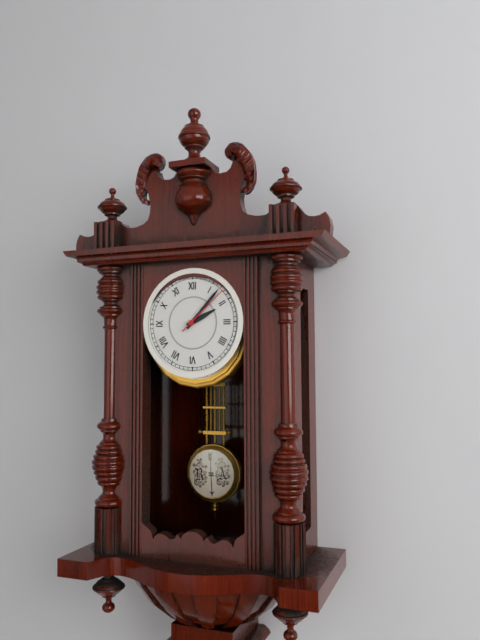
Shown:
2,07,08
